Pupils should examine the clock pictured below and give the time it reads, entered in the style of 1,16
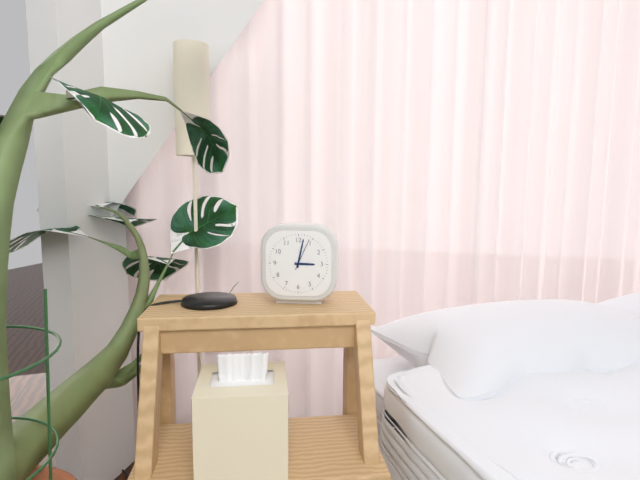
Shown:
3,02
